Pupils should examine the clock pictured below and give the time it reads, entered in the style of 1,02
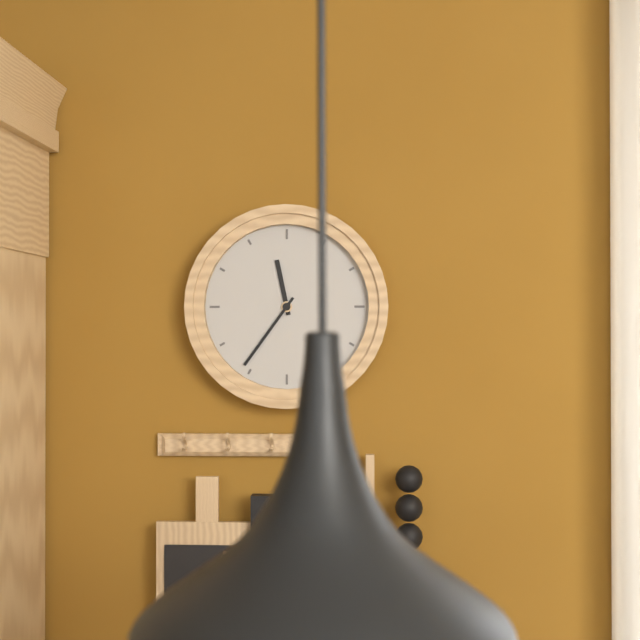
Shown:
11,36
